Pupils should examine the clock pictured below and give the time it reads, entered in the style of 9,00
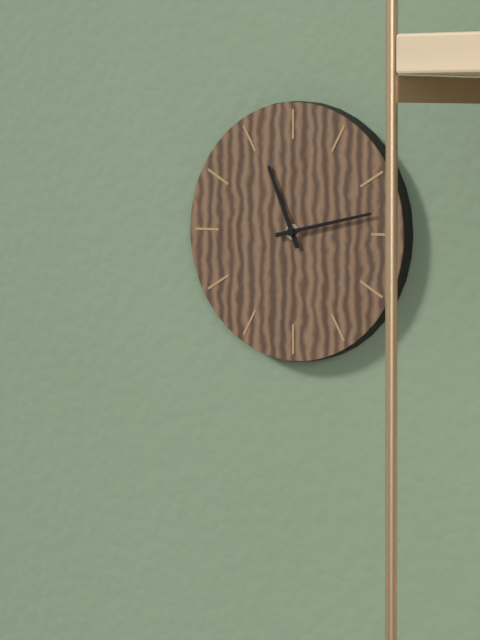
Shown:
11,13
